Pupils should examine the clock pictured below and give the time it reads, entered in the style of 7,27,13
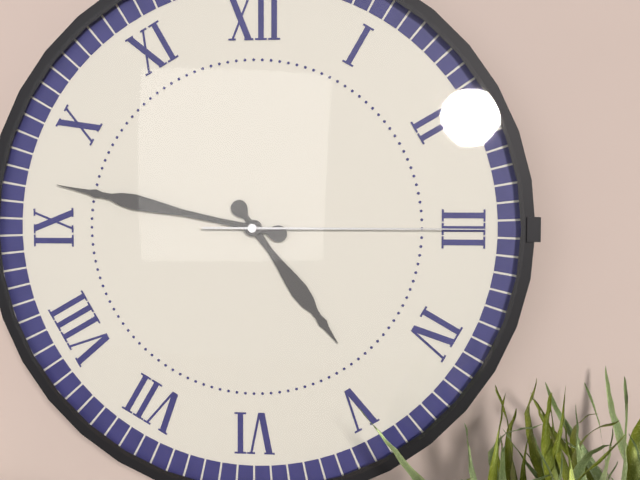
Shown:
4,47,15
